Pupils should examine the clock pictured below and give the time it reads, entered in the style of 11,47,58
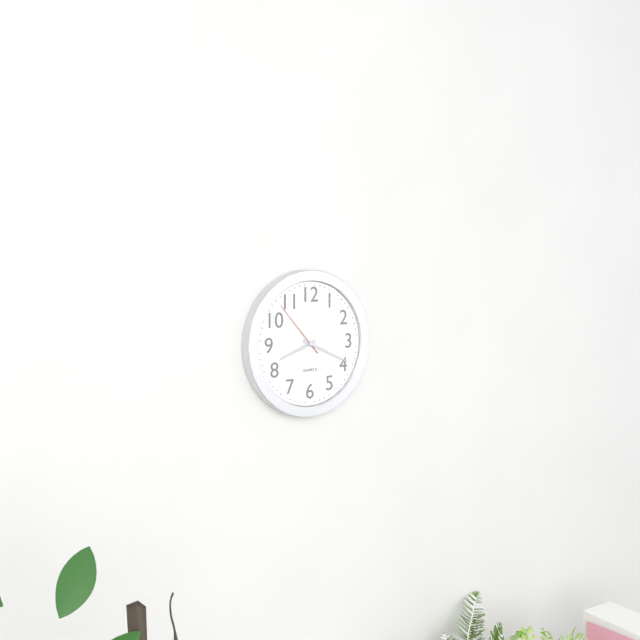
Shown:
8,19,53
